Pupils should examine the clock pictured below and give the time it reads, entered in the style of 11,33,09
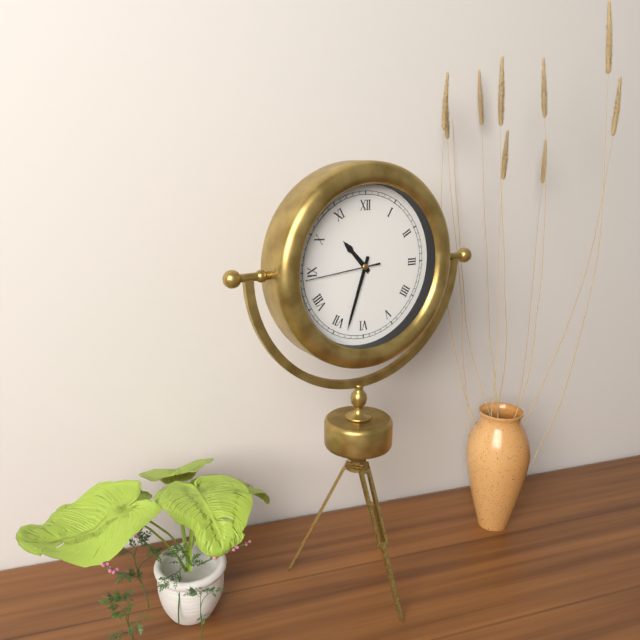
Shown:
10,33,44
